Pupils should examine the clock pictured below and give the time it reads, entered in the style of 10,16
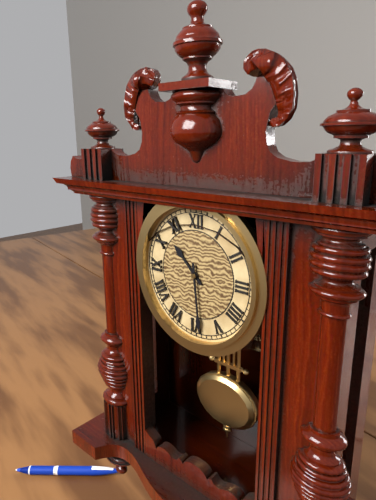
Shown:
10,29
